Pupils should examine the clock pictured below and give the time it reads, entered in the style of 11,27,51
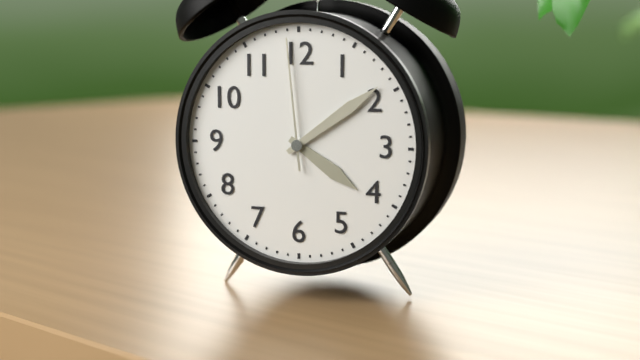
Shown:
4,09,59
